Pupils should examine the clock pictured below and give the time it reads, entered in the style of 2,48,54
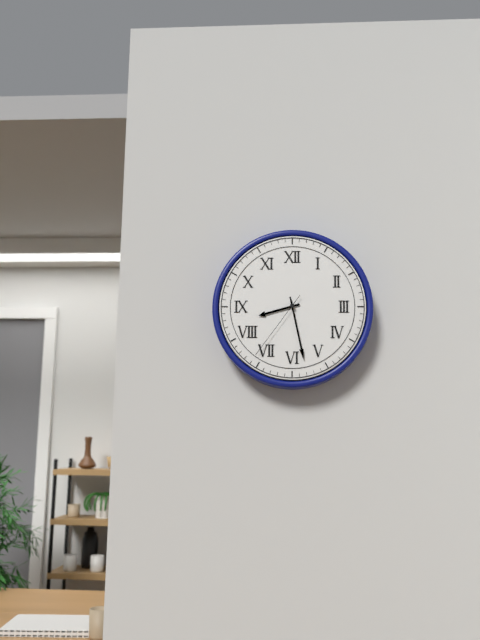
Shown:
8,28,36
